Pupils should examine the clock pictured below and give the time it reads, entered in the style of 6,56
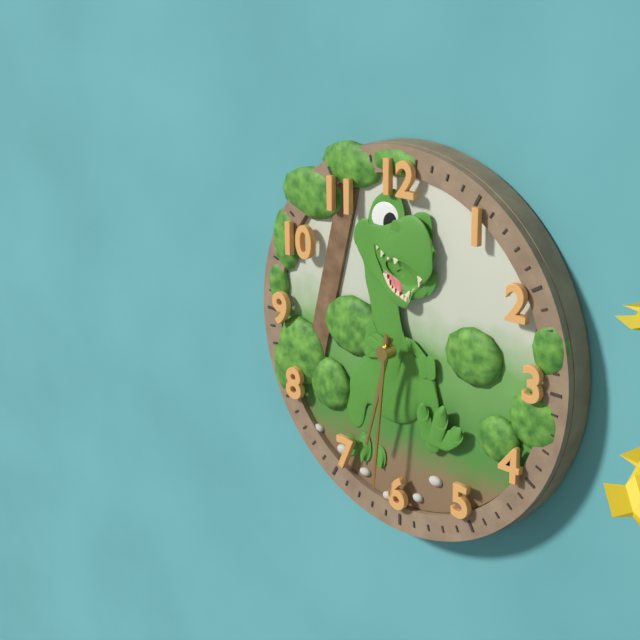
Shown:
6,31
